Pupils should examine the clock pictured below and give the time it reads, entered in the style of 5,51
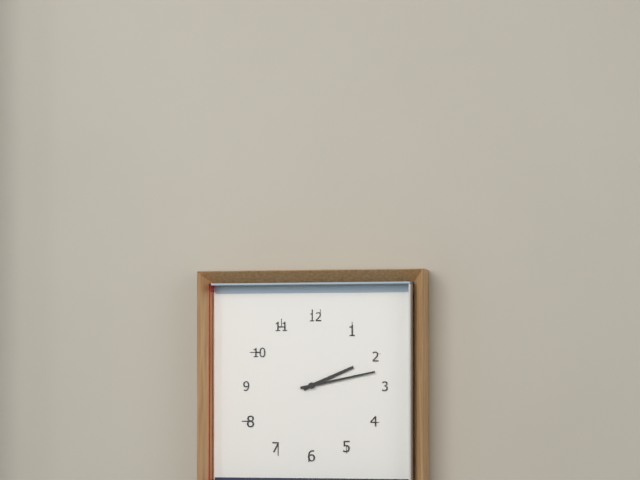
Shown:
2,13
